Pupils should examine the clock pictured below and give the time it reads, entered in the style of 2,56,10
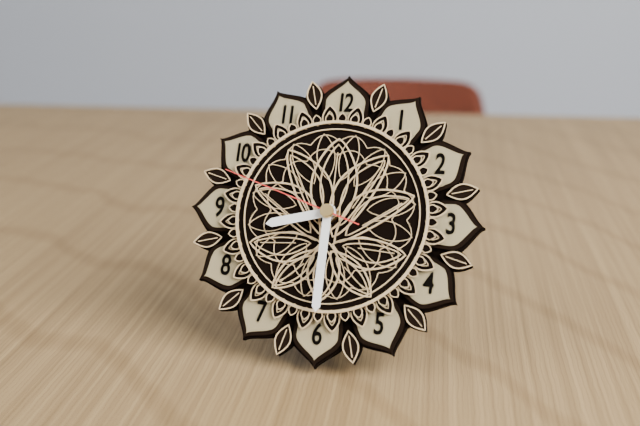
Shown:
8,30,48
